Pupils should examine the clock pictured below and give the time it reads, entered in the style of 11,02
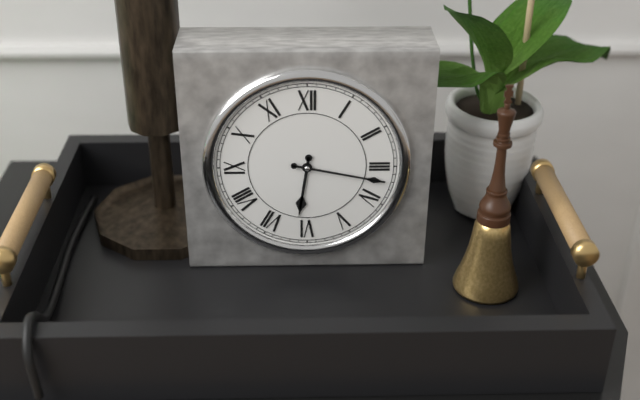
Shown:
6,17
